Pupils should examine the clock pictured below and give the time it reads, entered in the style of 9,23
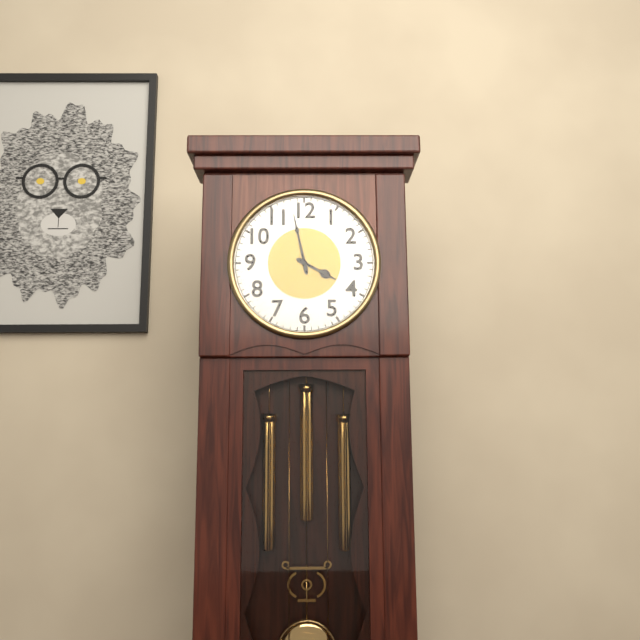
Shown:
3,58
